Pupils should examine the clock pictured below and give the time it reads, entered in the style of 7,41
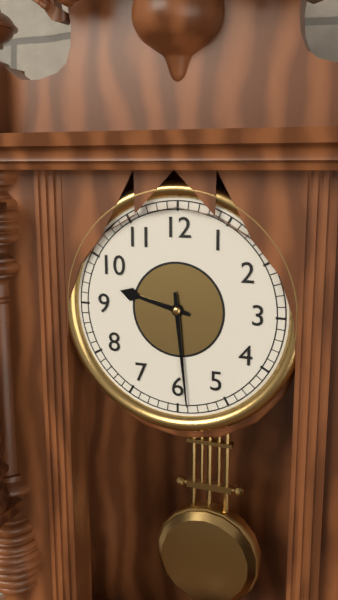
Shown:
9,29
